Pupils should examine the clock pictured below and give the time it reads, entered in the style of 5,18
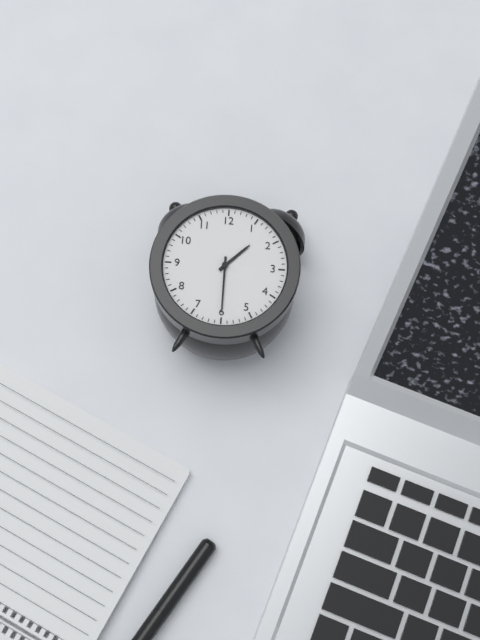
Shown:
1,30
